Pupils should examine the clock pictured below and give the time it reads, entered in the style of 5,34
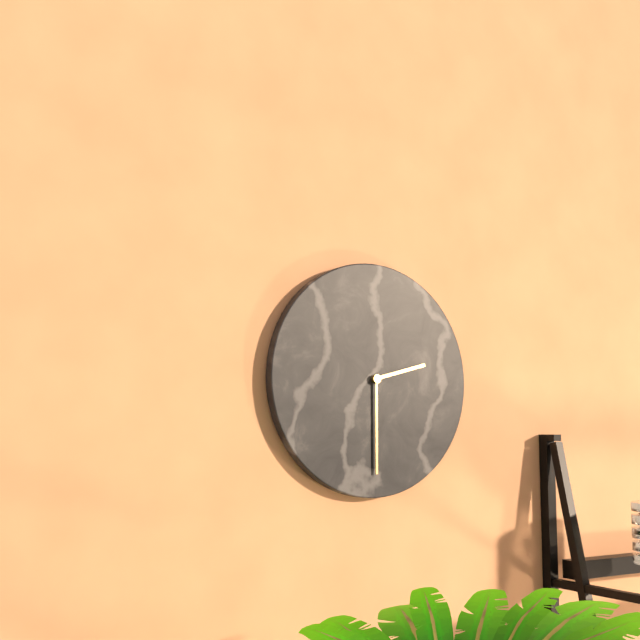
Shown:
2,30
